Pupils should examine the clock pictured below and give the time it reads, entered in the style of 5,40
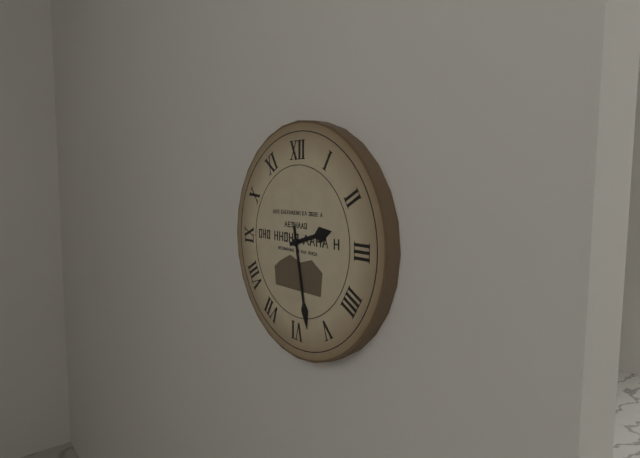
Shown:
2,28
